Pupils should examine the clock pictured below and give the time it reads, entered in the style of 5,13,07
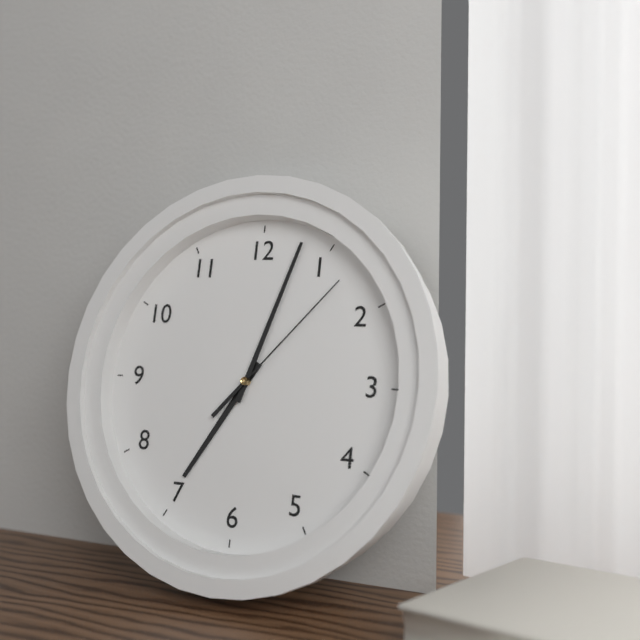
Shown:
7,03,07
